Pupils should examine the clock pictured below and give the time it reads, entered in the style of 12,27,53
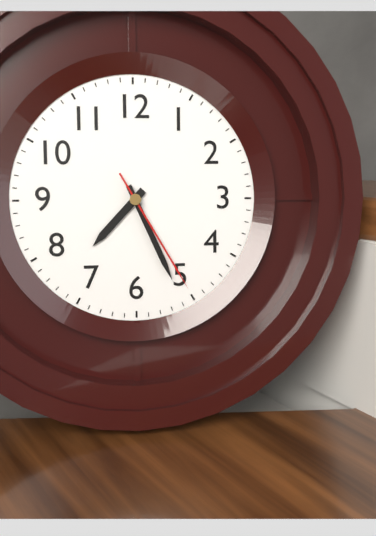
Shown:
7,26,25
